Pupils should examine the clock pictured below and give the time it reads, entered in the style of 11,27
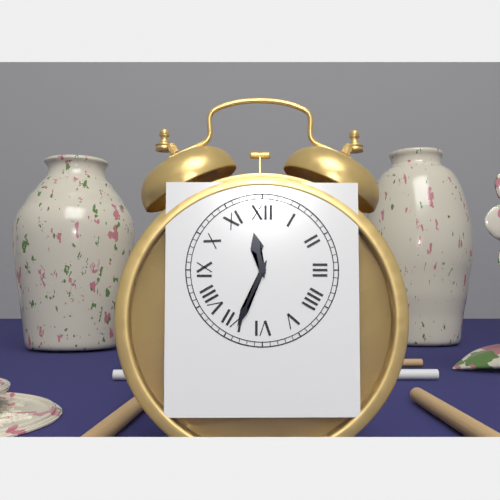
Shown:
11,34
